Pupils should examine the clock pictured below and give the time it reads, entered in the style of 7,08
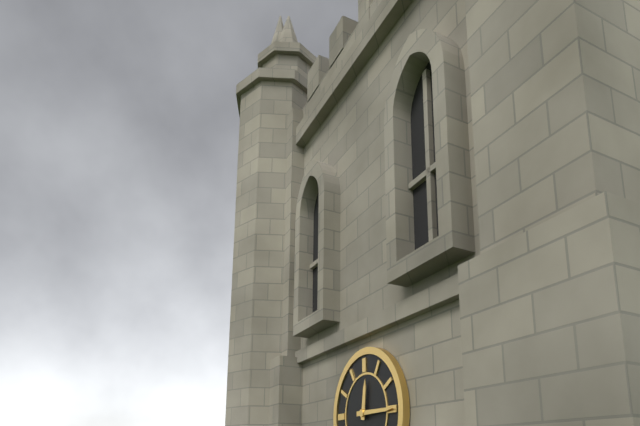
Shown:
12,15
